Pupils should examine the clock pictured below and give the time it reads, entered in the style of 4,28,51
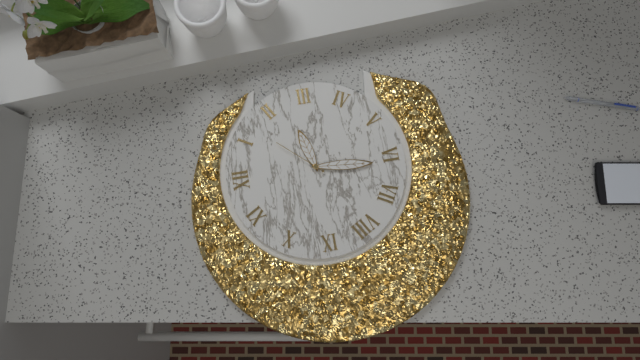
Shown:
2,31,07
